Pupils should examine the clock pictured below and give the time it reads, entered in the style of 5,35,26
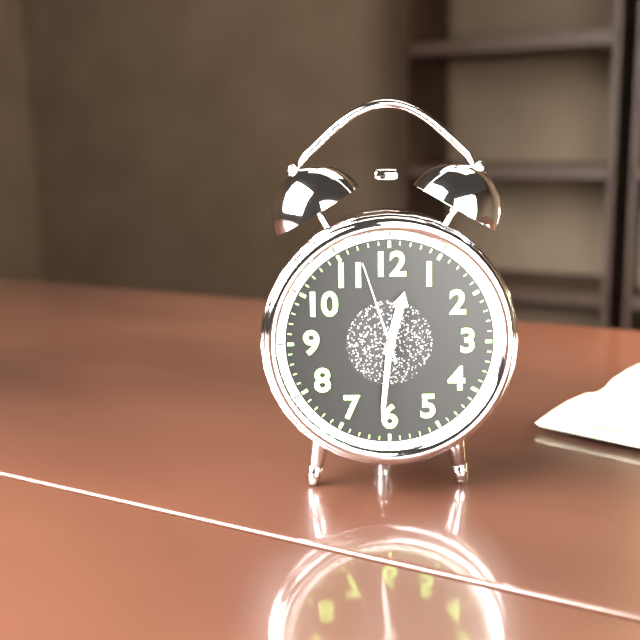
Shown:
12,31,57
